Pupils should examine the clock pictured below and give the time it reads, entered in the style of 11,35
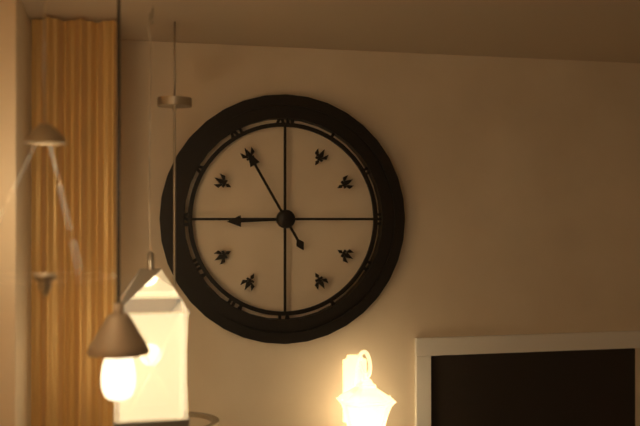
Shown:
8,55
